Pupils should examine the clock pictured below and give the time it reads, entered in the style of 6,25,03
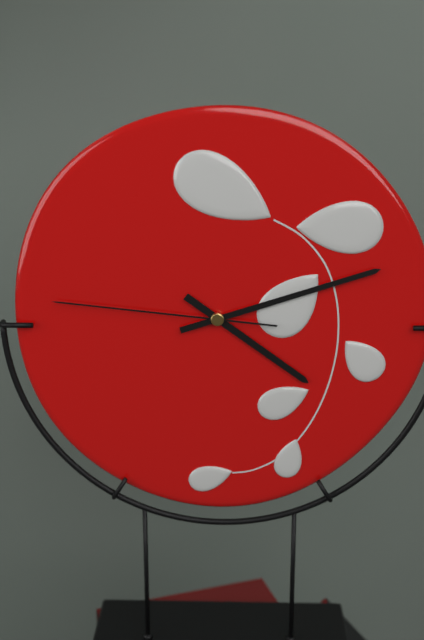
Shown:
4,12,46
